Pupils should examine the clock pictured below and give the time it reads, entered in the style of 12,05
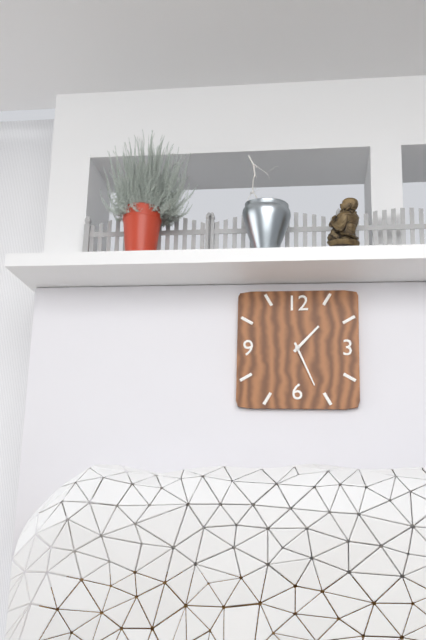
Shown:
1,26
